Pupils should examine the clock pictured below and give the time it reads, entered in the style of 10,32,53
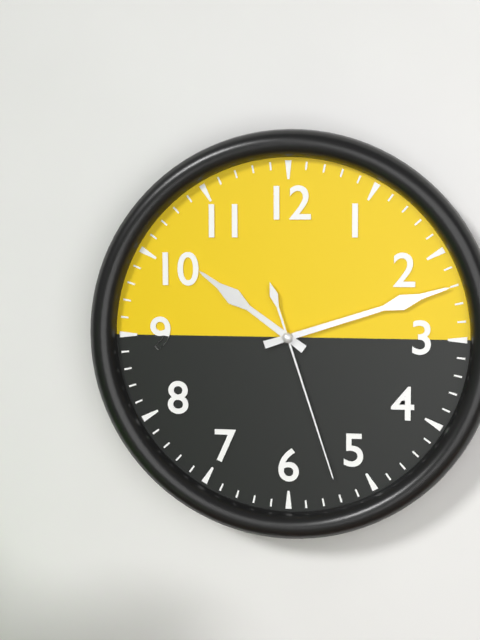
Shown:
10,12,27
